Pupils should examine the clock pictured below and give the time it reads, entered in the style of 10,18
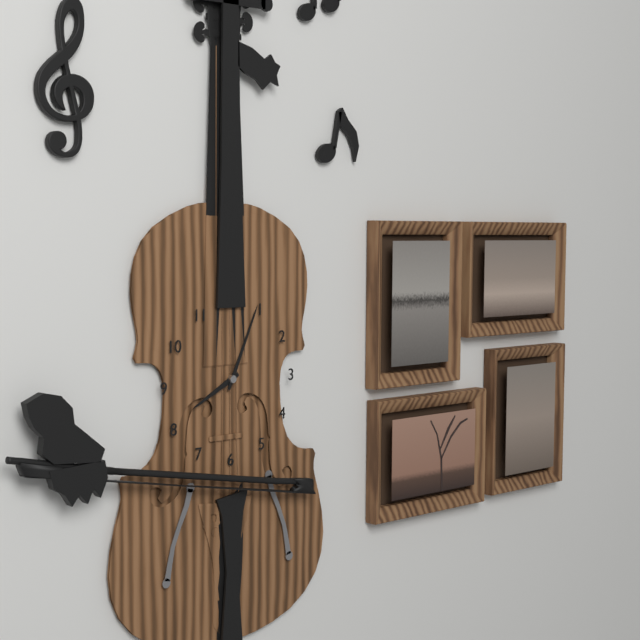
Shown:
8,04
